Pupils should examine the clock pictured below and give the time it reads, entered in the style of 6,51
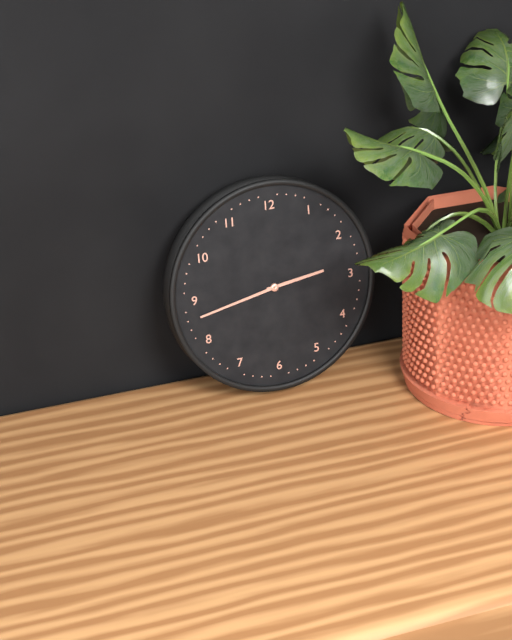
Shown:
2,43
